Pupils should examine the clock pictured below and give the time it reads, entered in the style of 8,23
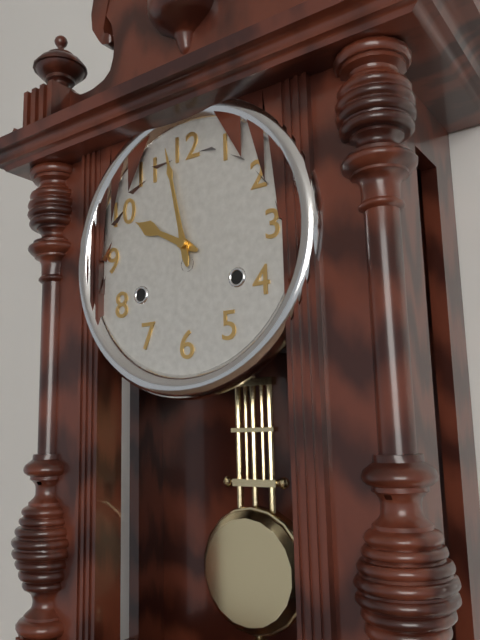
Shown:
9,58
